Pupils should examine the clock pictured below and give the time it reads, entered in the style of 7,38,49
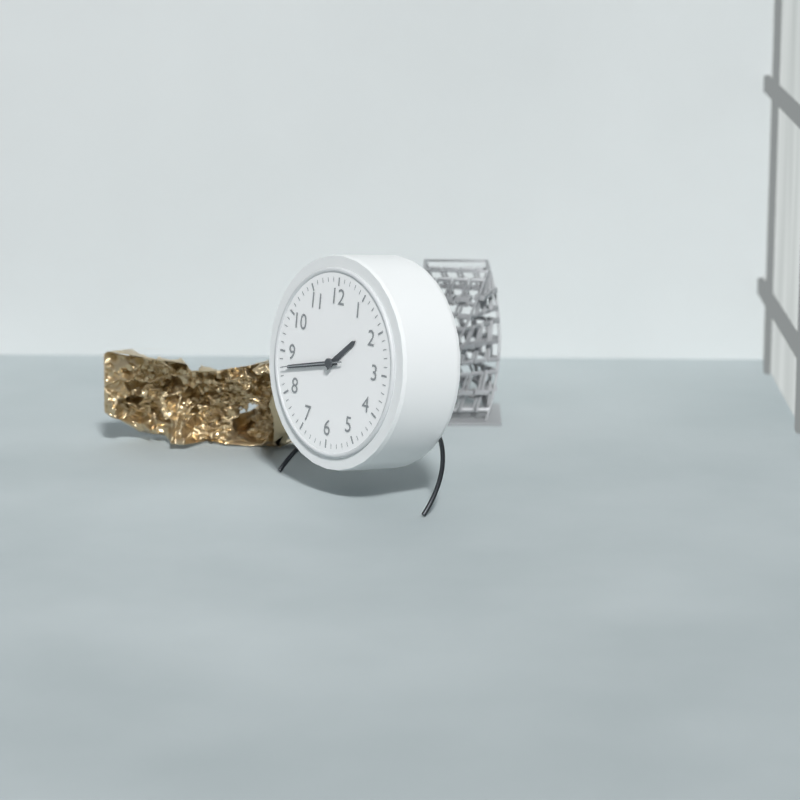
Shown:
1,43,43
